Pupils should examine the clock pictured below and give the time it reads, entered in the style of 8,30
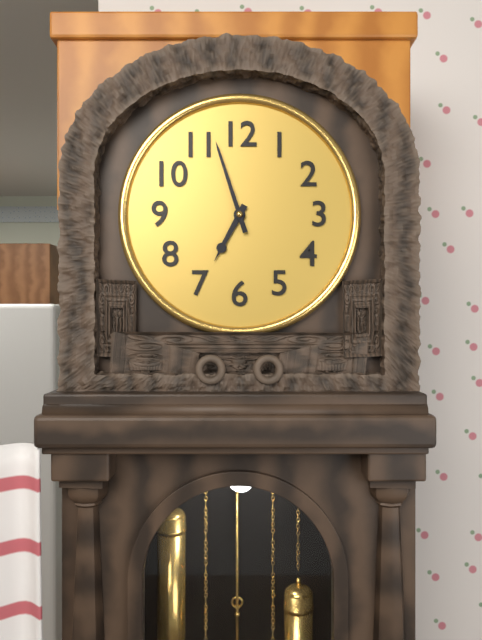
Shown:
6,57
